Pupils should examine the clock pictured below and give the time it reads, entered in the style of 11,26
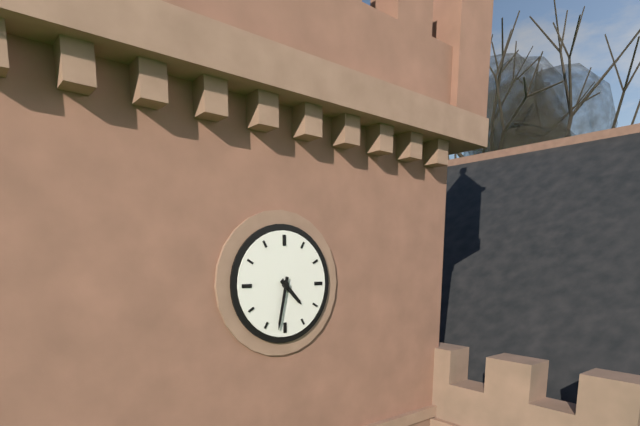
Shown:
4,32
